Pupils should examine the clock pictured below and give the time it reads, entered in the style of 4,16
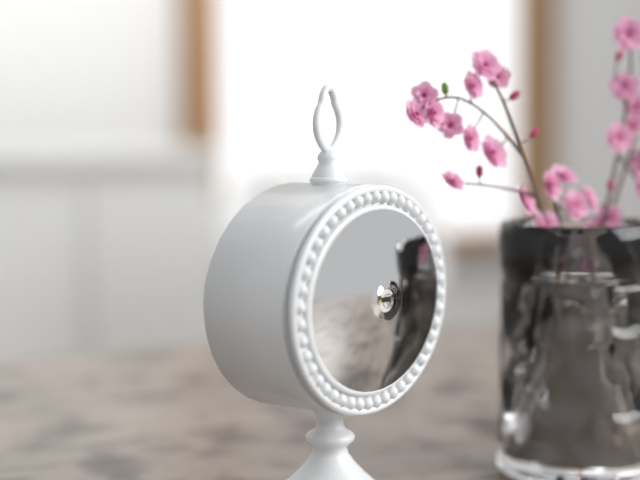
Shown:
3,15
